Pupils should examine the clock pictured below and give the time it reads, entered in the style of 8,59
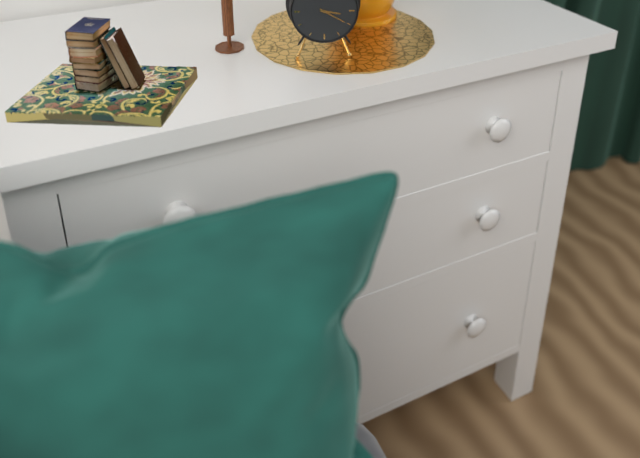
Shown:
3,20
